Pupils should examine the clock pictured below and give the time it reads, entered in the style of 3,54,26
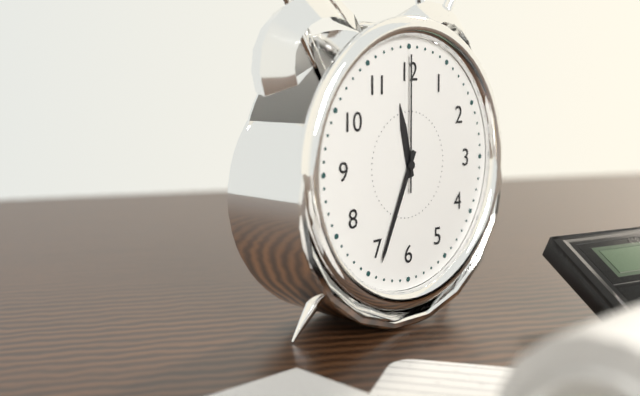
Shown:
11,34,00
